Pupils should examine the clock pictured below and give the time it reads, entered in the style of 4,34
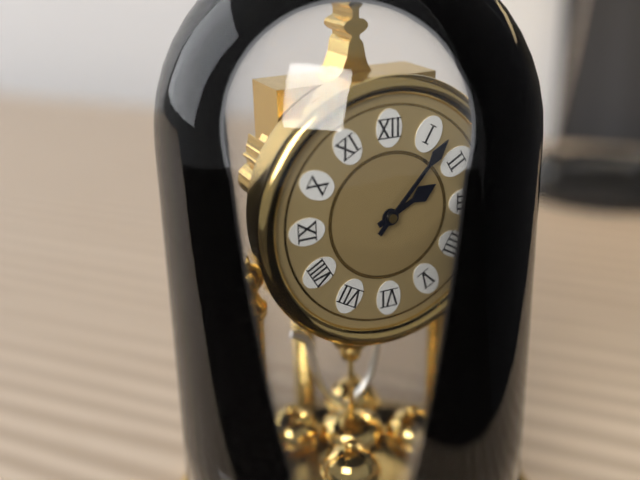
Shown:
2,07
